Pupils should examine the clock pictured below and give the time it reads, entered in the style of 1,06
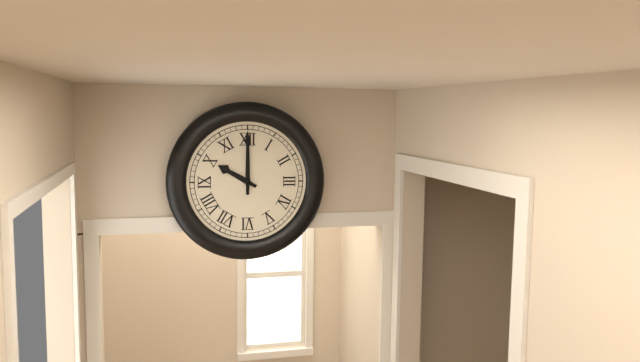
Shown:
10,00
